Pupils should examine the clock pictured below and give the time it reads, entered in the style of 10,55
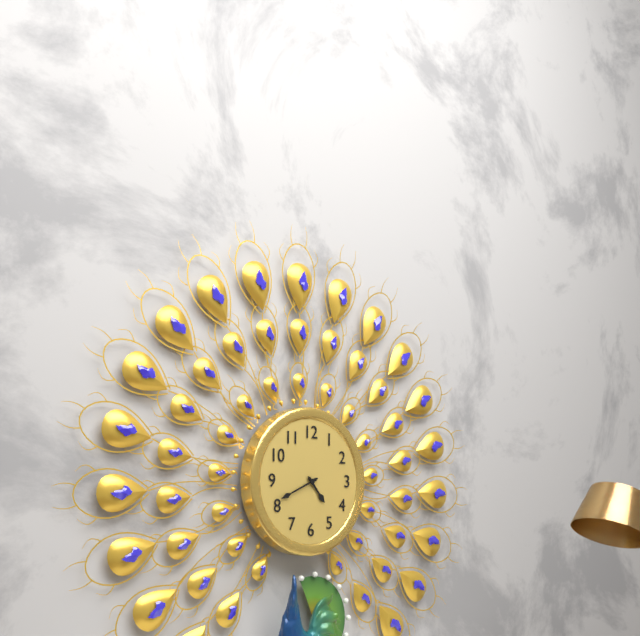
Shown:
4,41
